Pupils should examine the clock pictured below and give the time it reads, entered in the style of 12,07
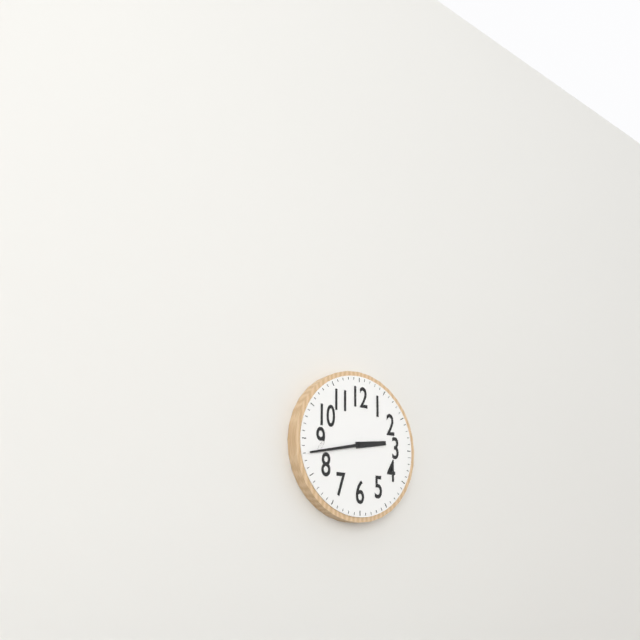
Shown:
2,43
